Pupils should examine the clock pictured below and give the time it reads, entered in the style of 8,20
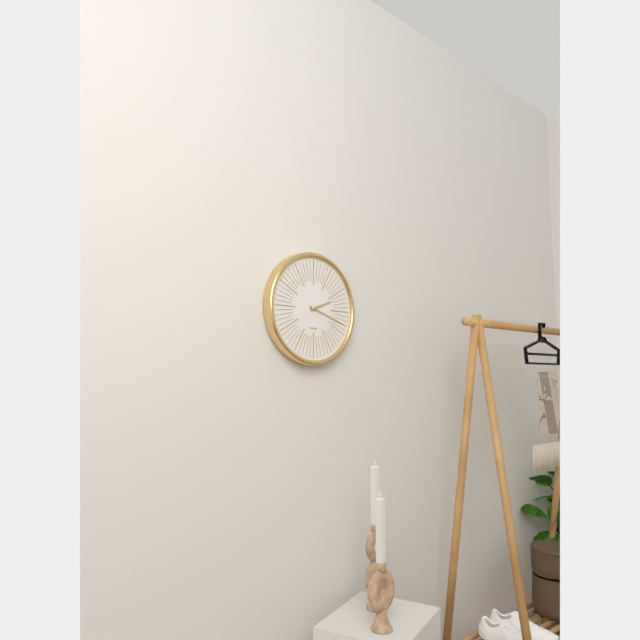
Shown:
2,18
